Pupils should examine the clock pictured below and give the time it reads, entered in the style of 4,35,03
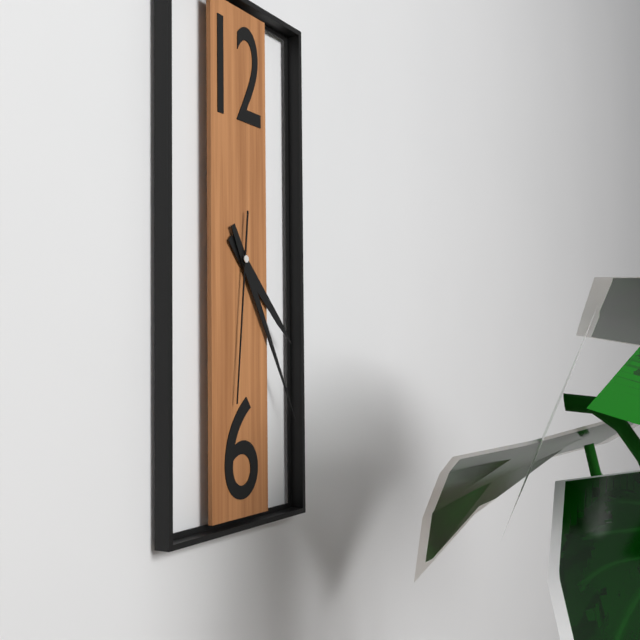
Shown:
4,25,31
